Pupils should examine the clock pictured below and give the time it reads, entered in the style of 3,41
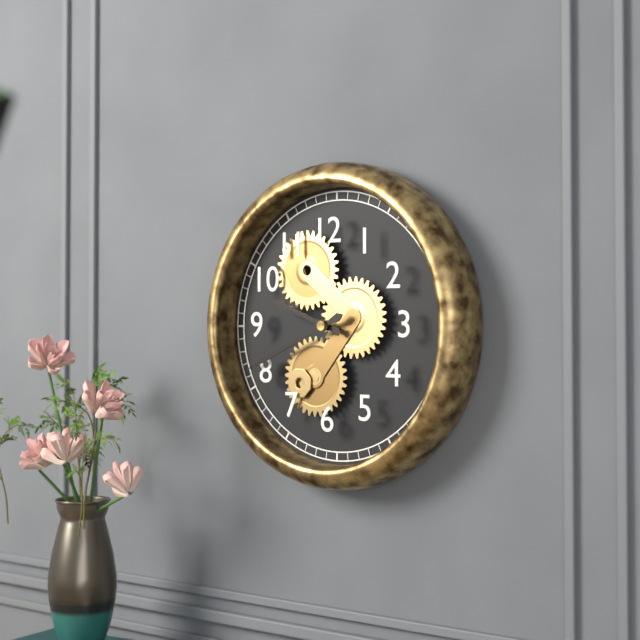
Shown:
9,41
